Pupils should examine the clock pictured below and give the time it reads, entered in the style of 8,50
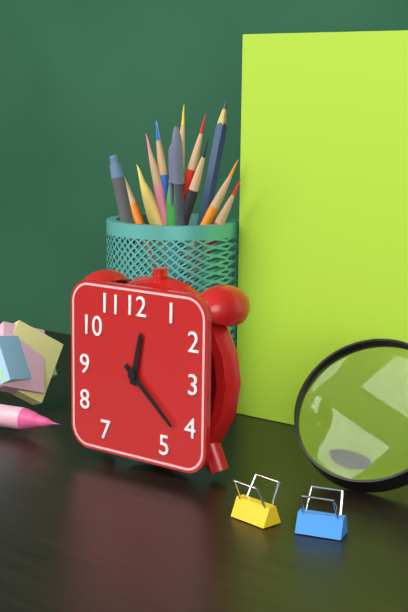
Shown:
12,22
